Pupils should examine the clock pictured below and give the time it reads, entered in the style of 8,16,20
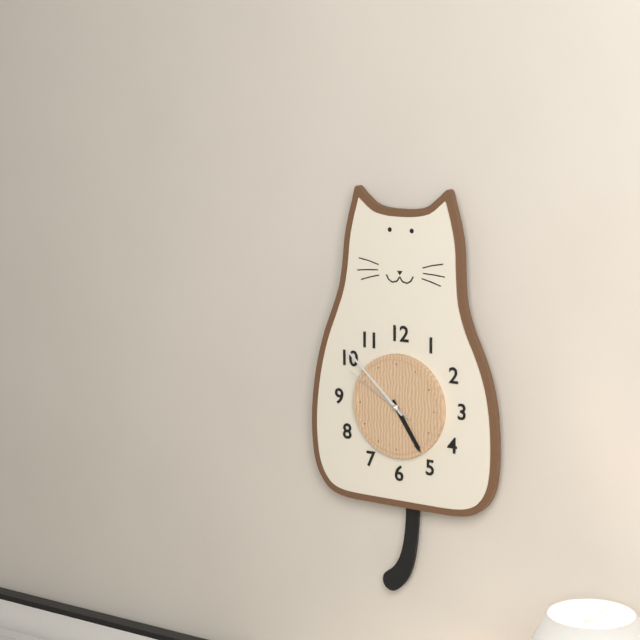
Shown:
4,52,50
